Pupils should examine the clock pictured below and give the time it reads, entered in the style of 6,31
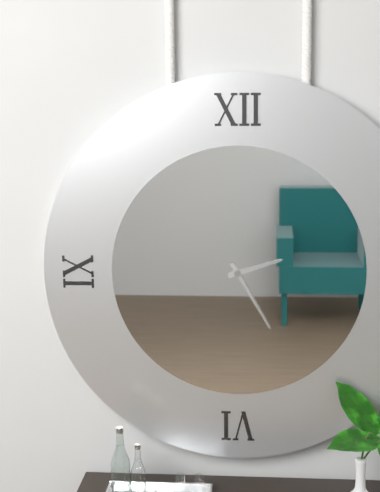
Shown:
2,25
